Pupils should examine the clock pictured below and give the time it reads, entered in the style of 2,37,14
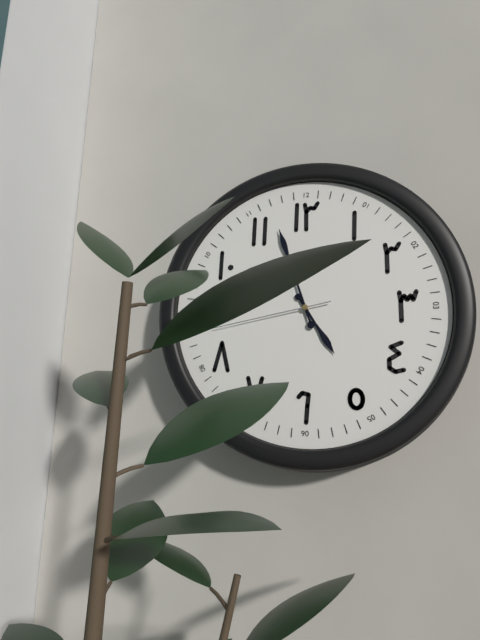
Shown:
4,57,43
